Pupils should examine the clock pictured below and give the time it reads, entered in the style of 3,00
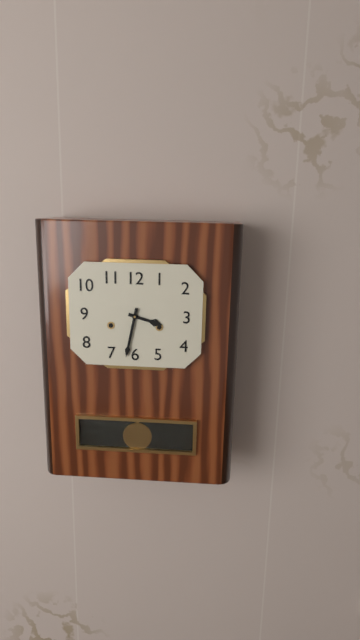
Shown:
3,32
